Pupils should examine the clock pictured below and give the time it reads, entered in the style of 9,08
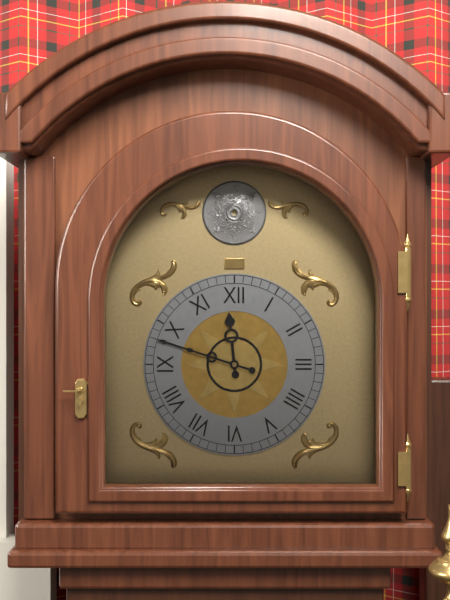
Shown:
11,48
